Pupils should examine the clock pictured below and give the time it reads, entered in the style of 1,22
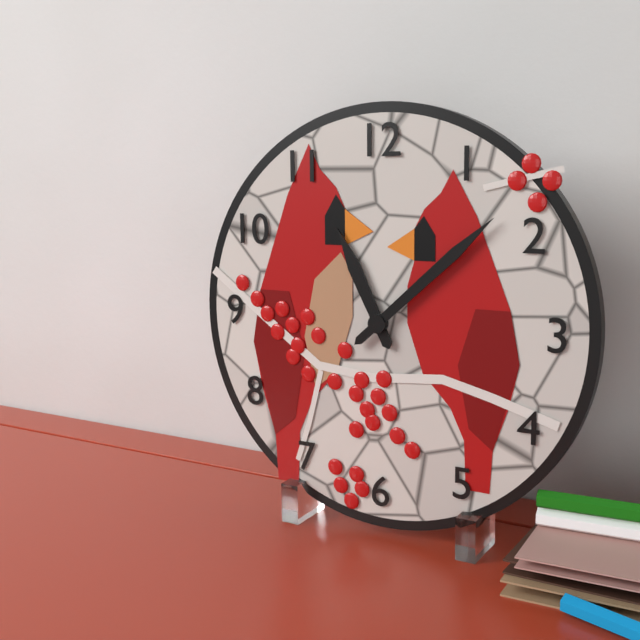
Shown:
11,08
